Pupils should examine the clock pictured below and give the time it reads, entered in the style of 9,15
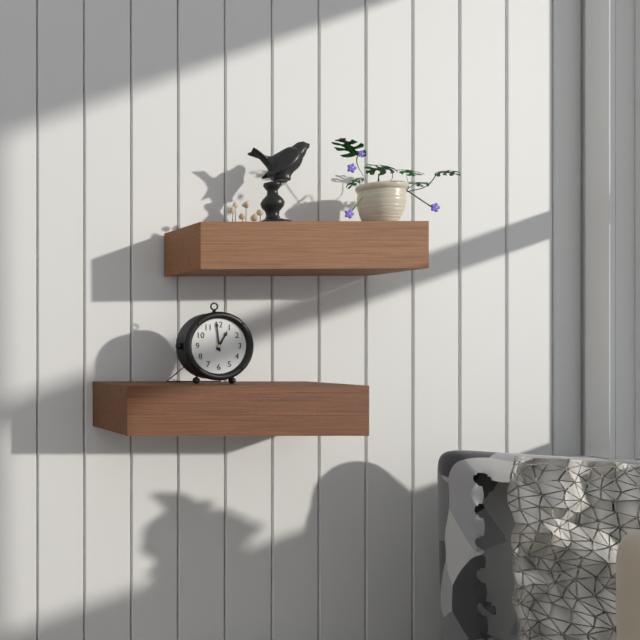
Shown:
12,59
